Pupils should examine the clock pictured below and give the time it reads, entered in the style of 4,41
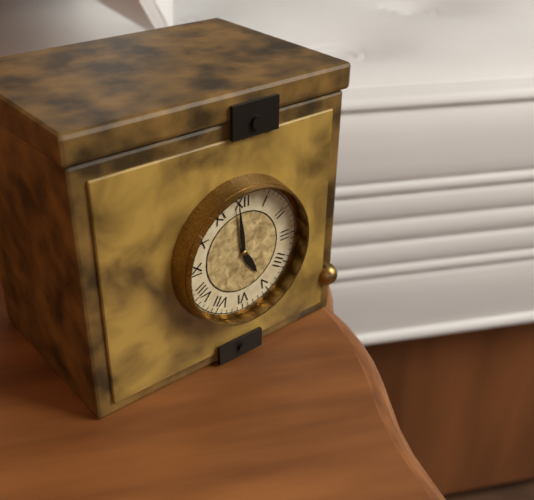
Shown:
4,59
